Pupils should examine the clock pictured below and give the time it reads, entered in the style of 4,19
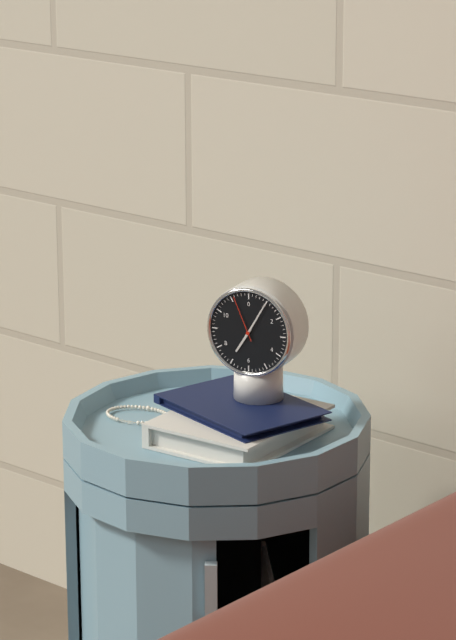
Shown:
7,05
